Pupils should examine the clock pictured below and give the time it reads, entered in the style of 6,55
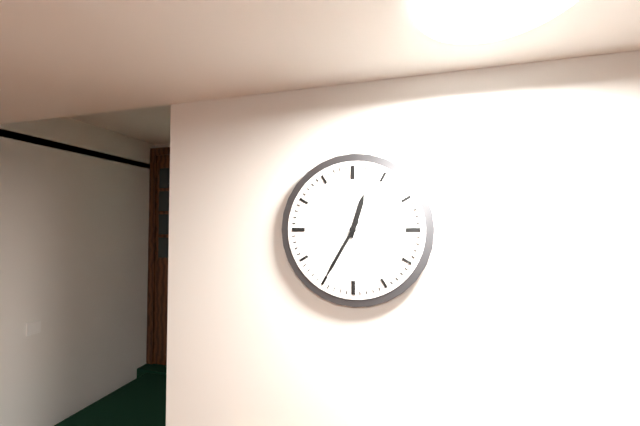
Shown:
12,35
